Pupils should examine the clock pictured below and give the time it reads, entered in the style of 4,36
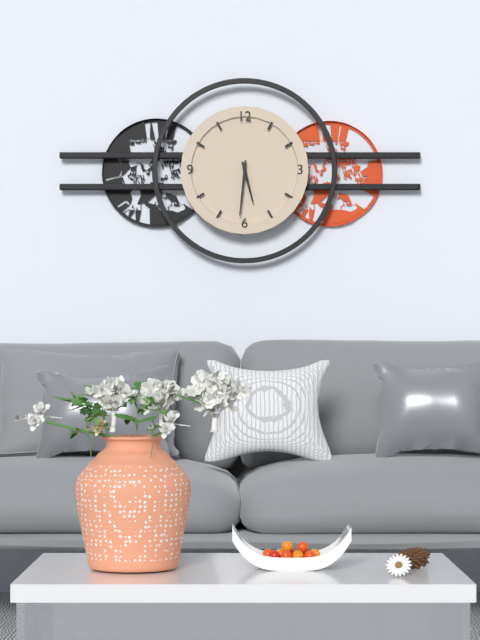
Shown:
5,31
